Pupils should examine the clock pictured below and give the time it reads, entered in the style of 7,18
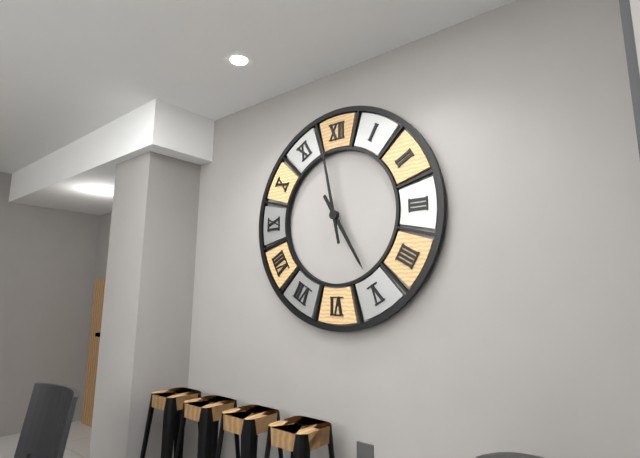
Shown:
4,58
